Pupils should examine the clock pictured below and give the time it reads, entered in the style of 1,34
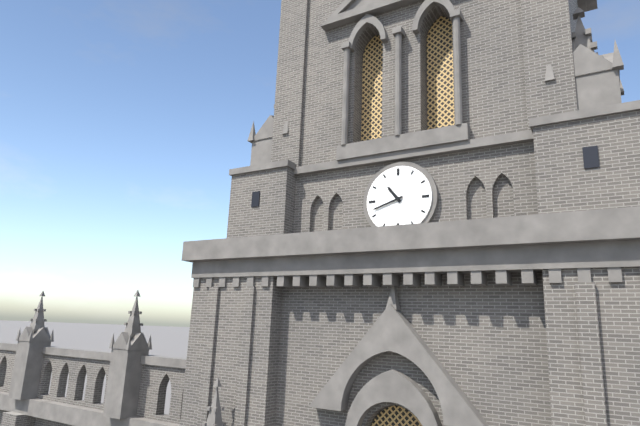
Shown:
10,42
